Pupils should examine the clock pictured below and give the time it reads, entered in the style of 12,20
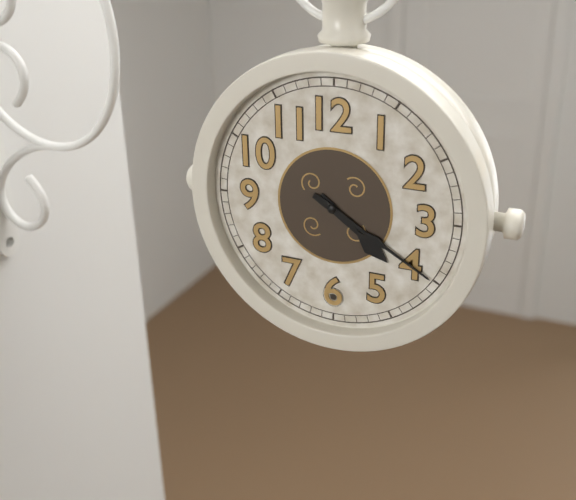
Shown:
4,20
